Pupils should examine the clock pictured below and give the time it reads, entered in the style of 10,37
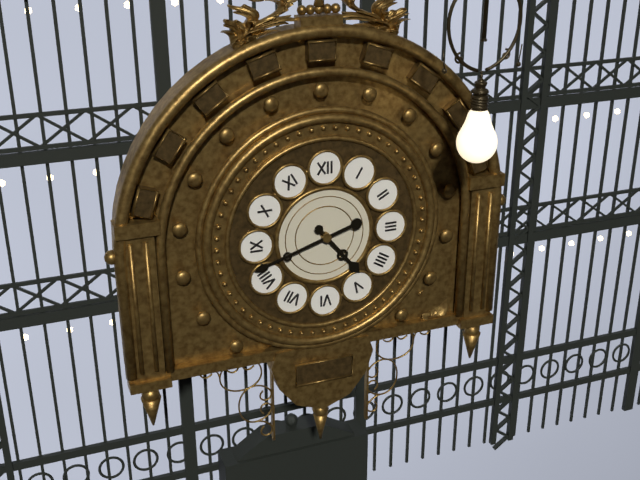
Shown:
4,42
